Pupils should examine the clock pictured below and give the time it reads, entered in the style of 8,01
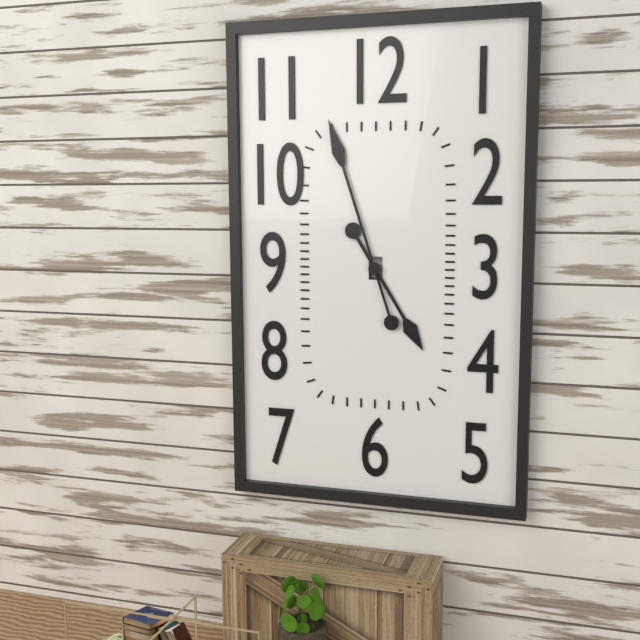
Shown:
4,57
